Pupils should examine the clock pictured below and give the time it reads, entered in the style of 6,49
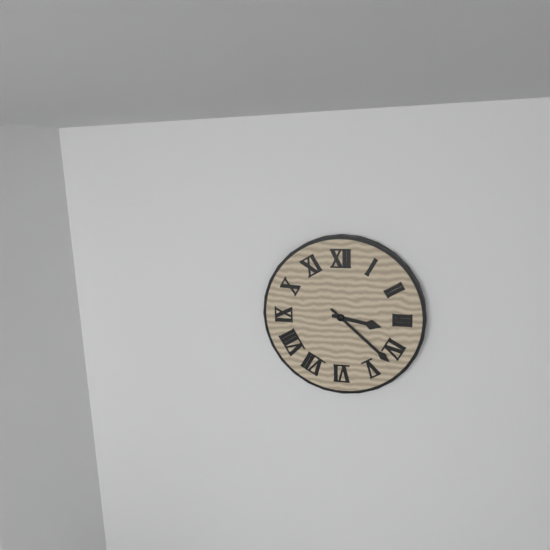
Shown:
3,22
